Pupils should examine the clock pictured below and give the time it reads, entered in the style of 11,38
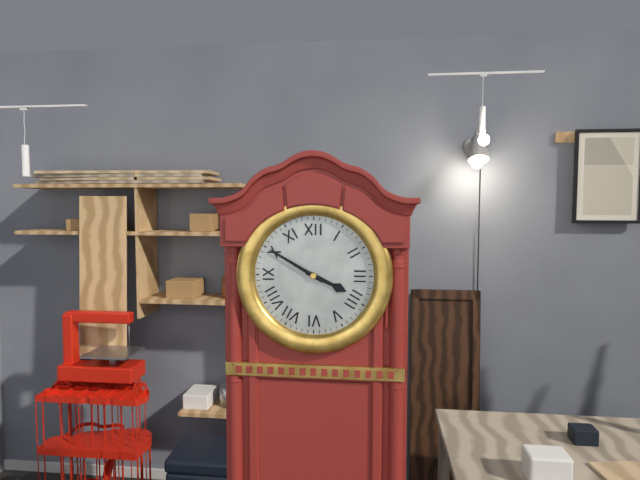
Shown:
3,50
